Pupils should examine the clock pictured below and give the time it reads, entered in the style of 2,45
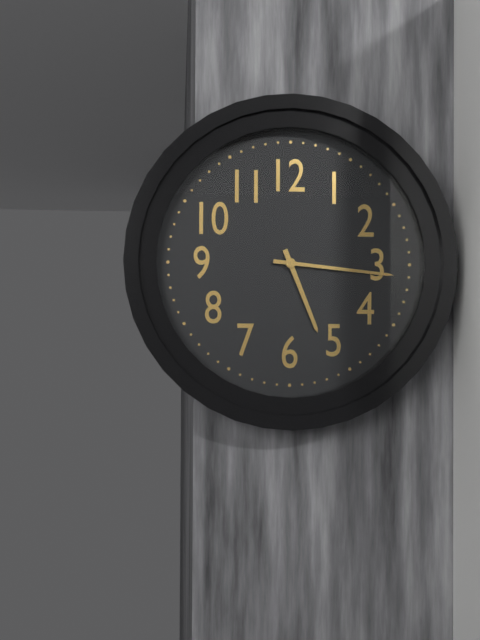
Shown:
5,16
